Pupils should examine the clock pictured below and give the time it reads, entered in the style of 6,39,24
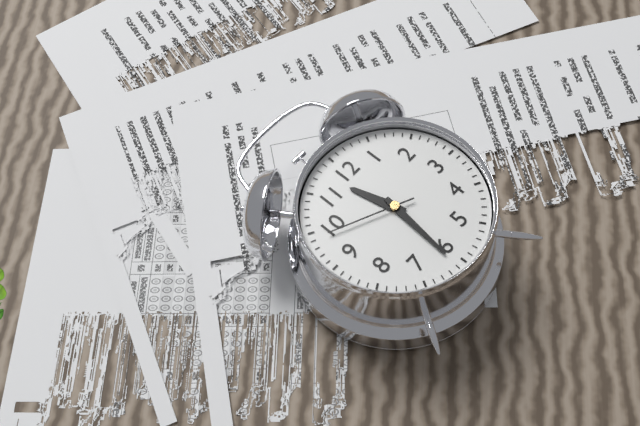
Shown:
11,31,49
